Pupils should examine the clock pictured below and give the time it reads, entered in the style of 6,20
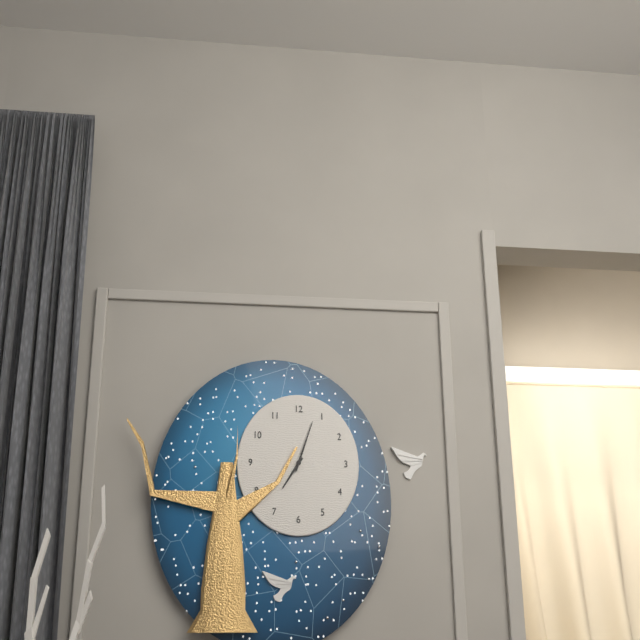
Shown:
7,03
